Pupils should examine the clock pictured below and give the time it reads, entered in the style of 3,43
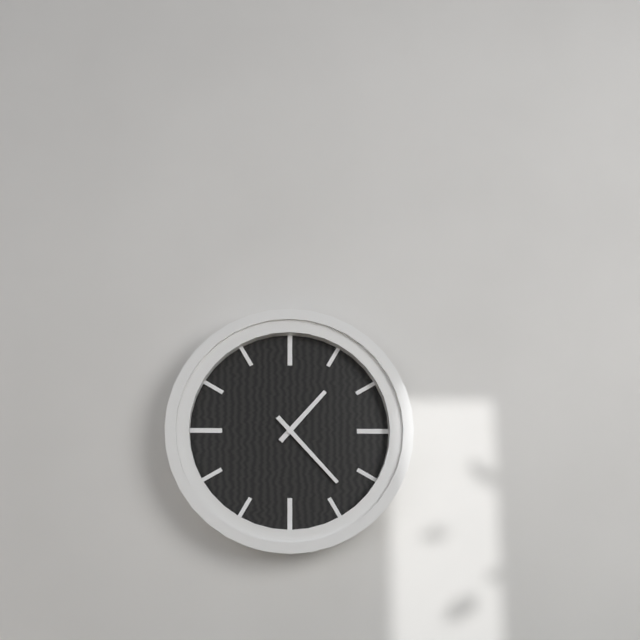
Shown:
1,23
